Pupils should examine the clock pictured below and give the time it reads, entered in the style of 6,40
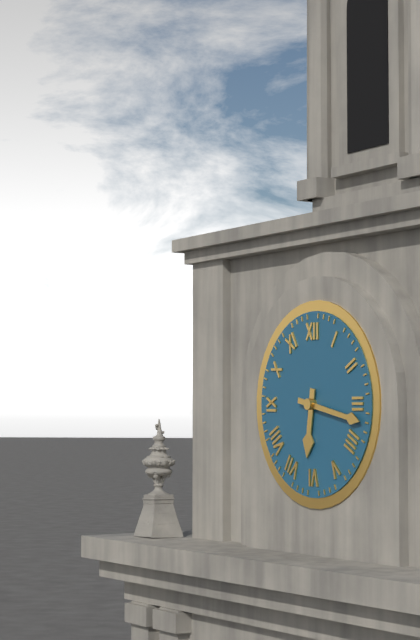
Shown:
6,17
